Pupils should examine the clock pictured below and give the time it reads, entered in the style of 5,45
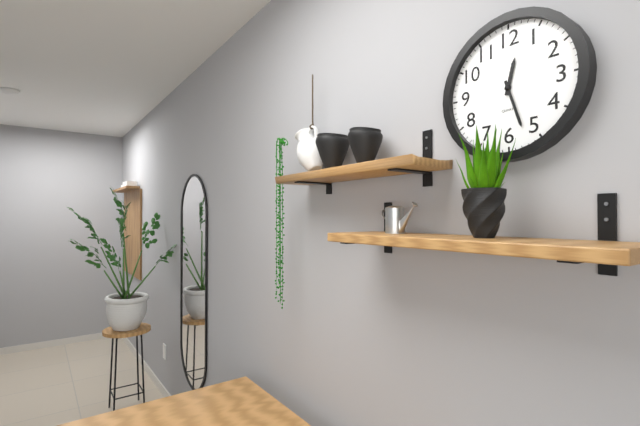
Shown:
12,27
